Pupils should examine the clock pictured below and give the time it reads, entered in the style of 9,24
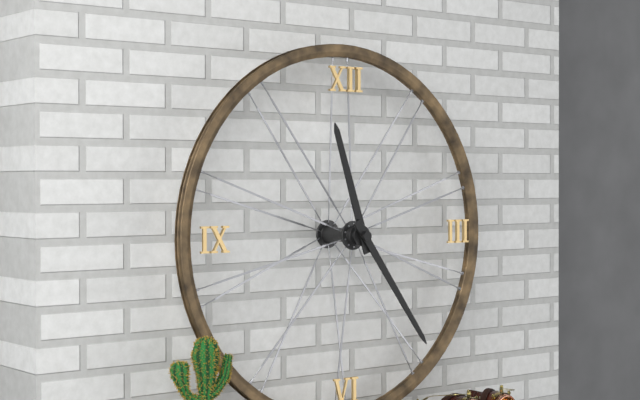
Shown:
11,24
